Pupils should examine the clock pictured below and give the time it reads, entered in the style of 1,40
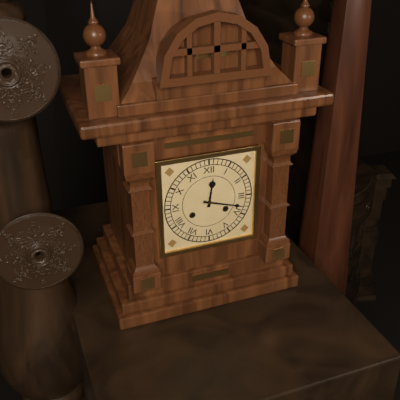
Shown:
12,18
